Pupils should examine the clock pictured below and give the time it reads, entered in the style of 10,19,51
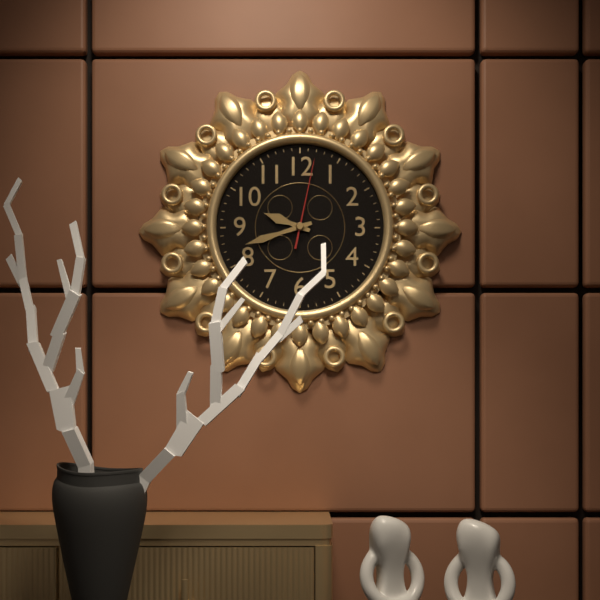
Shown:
9,42,02
